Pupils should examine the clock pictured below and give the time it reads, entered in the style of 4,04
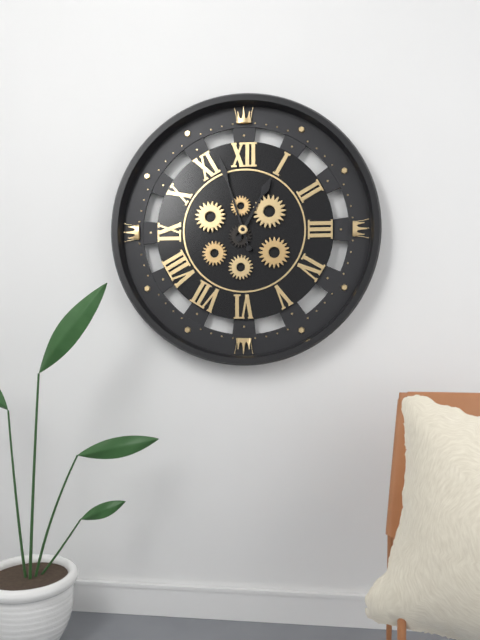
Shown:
12,57
